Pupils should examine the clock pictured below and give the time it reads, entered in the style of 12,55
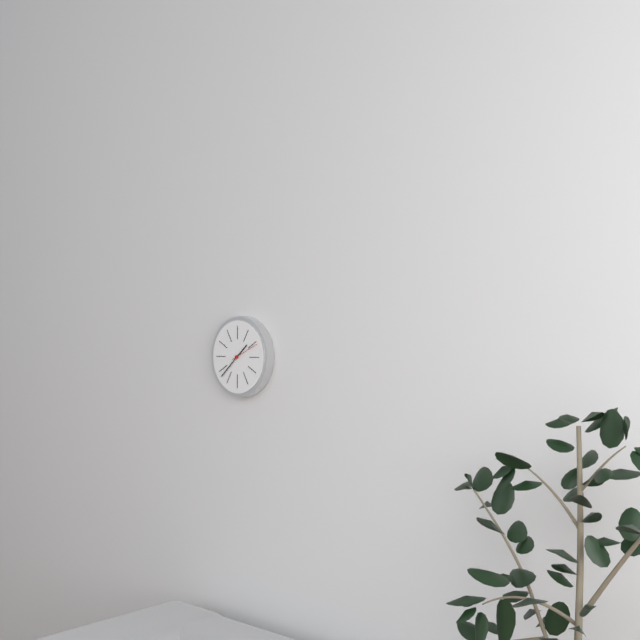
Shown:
1,38
